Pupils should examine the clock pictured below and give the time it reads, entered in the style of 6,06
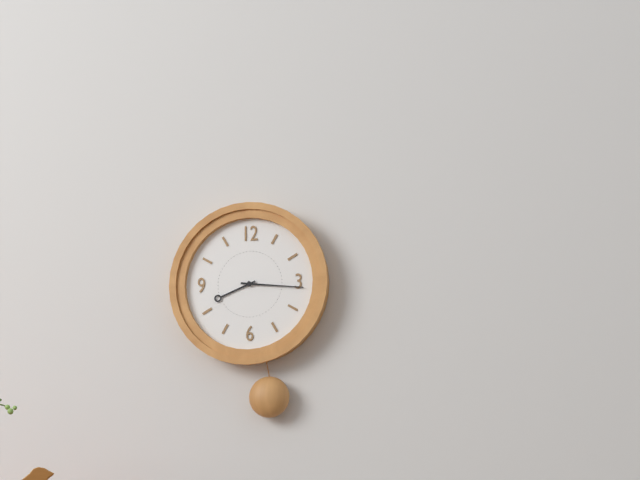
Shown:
8,16
